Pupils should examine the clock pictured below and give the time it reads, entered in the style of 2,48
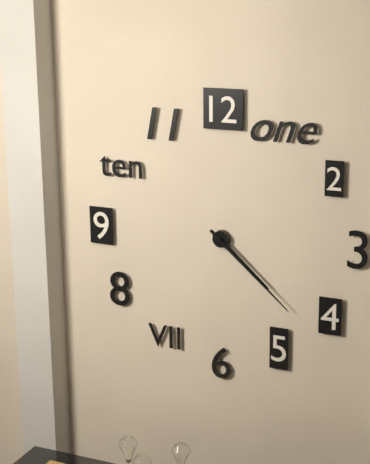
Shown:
4,22
